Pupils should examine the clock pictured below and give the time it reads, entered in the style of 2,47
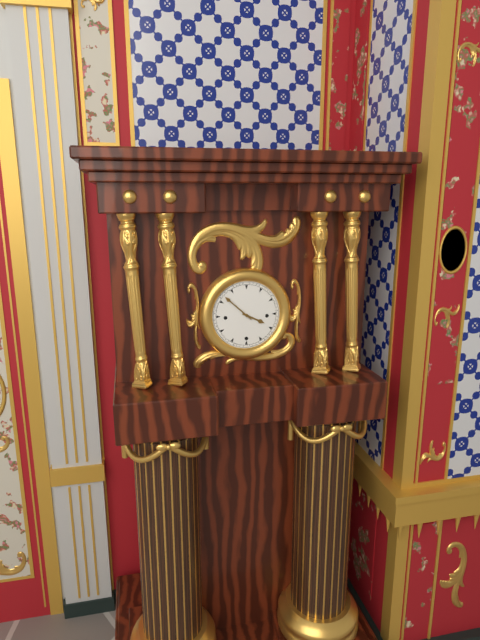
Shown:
3,52
